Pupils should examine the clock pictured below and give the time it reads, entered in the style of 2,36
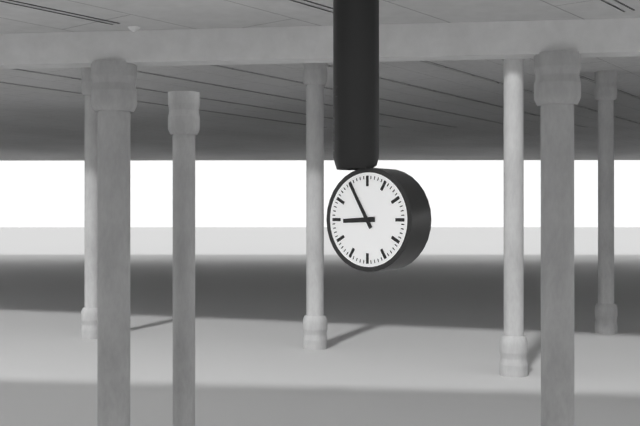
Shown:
8,55
